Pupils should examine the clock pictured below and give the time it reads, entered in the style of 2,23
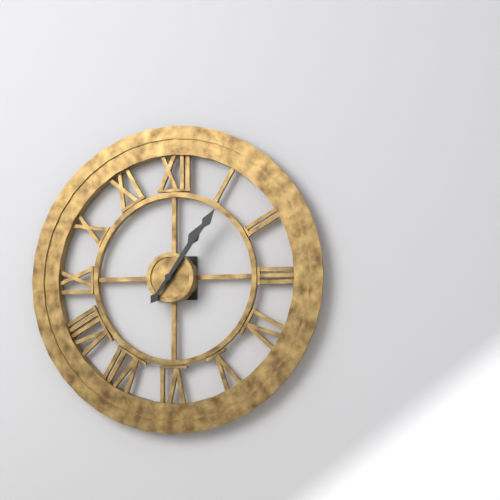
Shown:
1,06
